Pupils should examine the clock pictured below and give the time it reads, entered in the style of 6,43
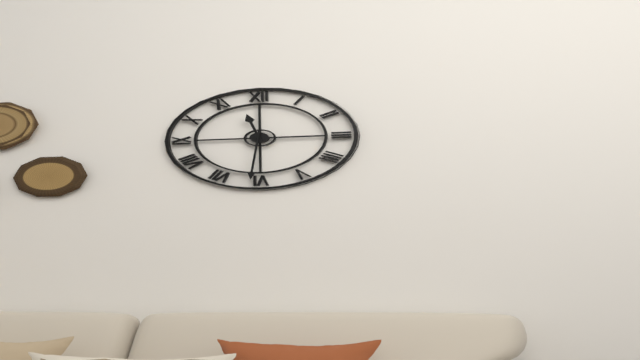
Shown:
11,31
